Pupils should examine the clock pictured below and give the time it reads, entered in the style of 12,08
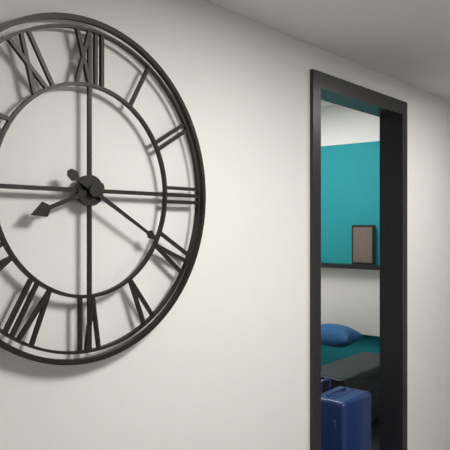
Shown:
8,20
